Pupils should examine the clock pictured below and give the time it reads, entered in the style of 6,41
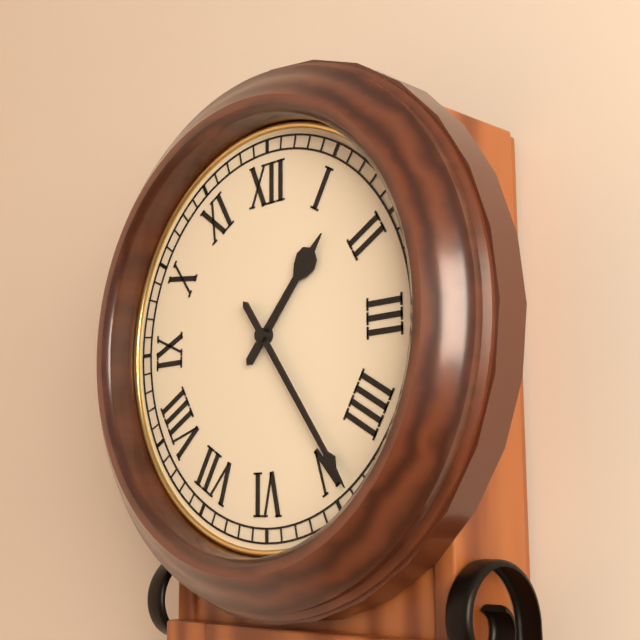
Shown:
1,24
